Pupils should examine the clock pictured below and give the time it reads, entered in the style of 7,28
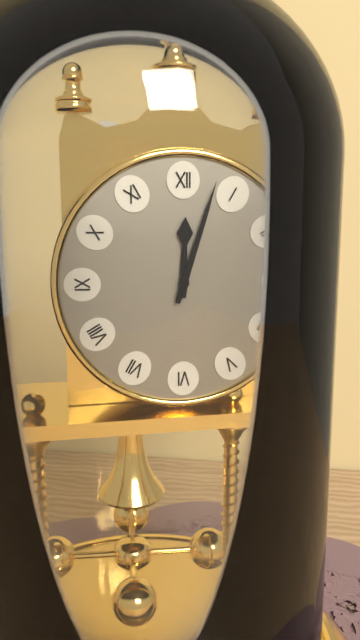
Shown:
12,03
